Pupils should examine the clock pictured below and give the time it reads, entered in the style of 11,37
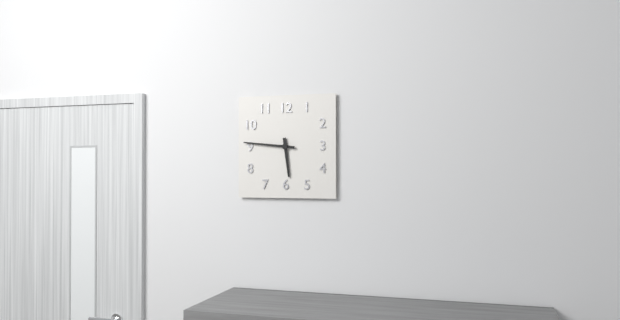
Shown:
5,46
